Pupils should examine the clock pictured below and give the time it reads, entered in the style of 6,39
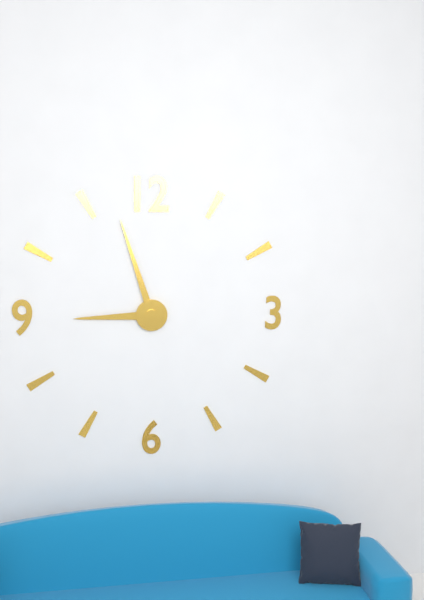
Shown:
8,57
